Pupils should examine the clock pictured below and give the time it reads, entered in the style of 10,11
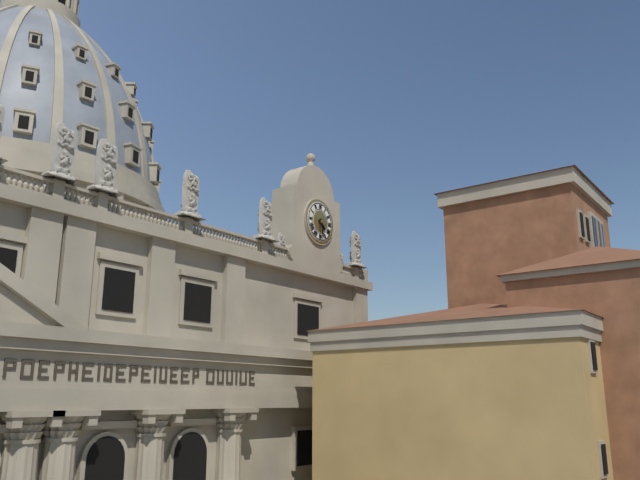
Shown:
4,28
